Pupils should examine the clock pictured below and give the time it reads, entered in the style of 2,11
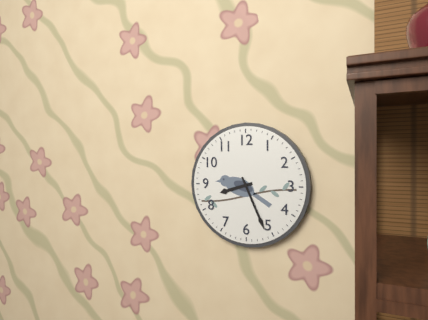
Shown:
8,26
